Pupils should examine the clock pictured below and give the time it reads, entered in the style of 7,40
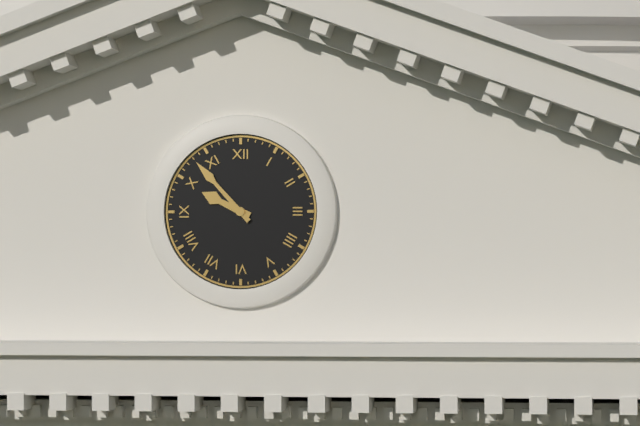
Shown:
9,53
